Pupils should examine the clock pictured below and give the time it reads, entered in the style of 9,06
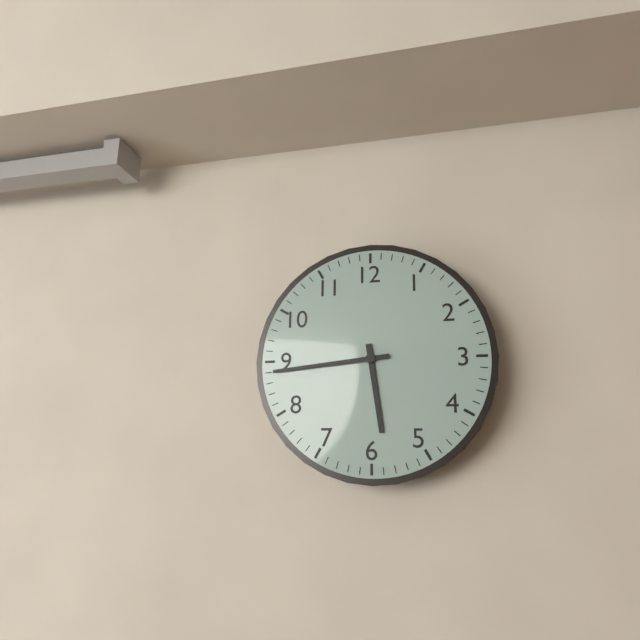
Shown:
5,44
